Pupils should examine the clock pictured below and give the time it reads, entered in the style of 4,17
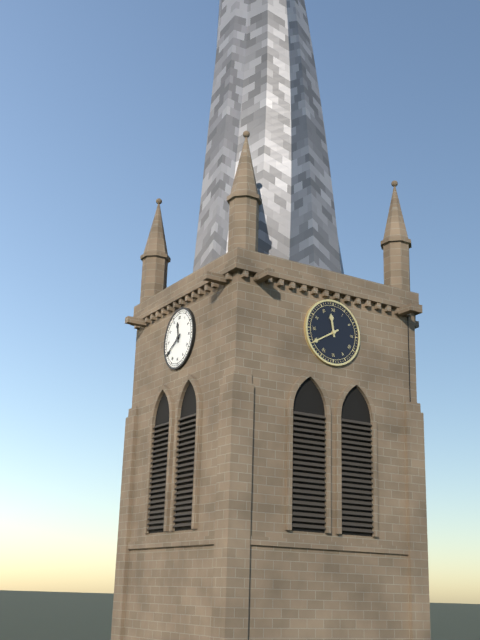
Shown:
11,40
